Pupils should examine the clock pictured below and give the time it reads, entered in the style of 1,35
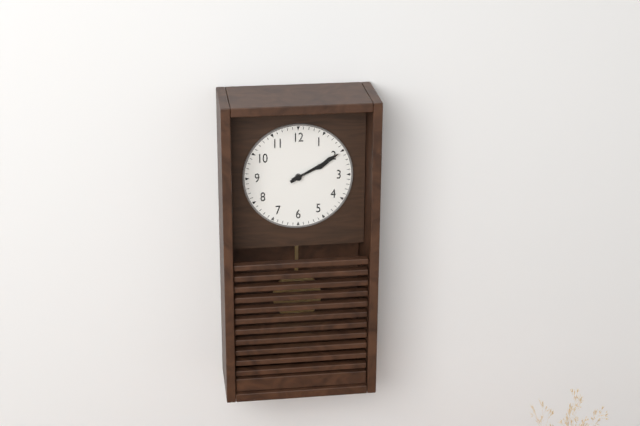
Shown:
2,10
